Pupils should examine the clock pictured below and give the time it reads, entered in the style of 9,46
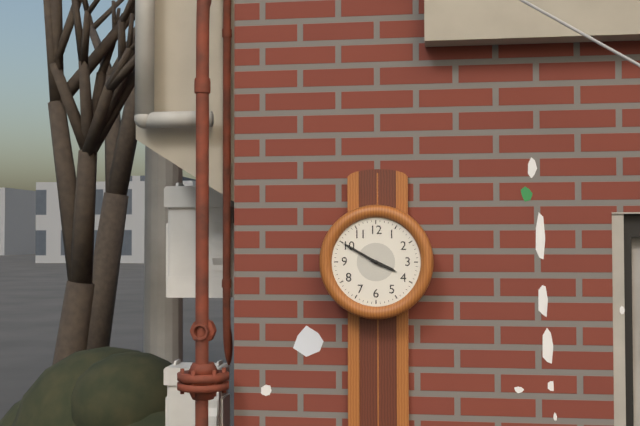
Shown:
3,50
